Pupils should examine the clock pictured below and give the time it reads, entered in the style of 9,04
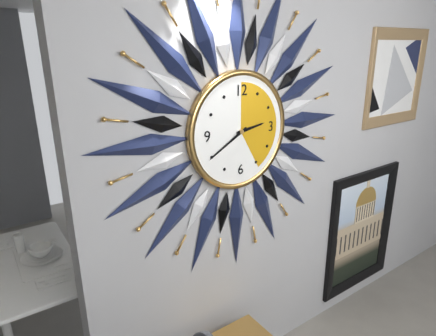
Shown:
2,40
